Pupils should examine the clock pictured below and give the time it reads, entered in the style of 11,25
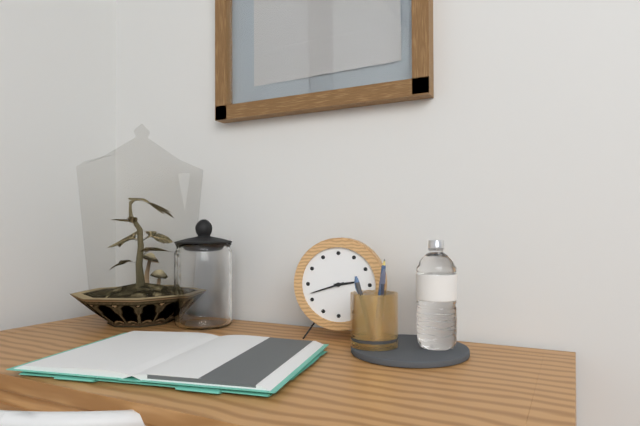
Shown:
2,42
